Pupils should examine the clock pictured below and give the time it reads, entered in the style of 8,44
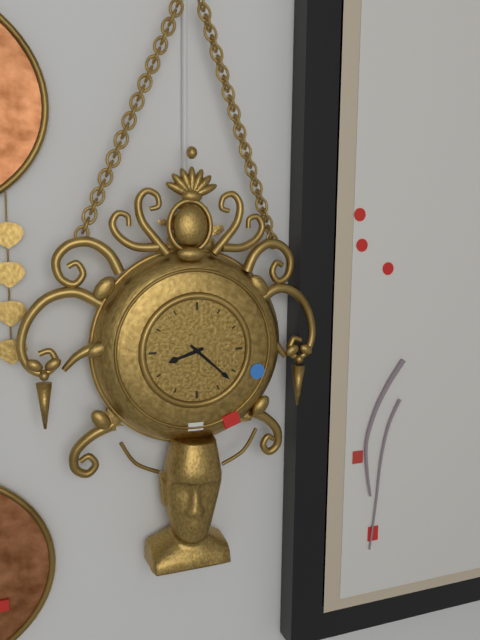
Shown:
8,22
